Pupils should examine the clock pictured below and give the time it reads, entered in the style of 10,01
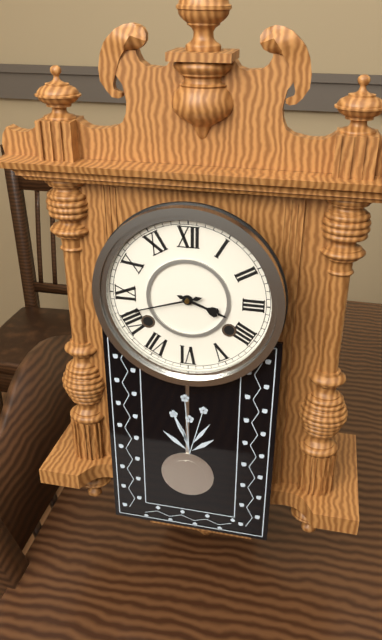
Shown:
3,42
